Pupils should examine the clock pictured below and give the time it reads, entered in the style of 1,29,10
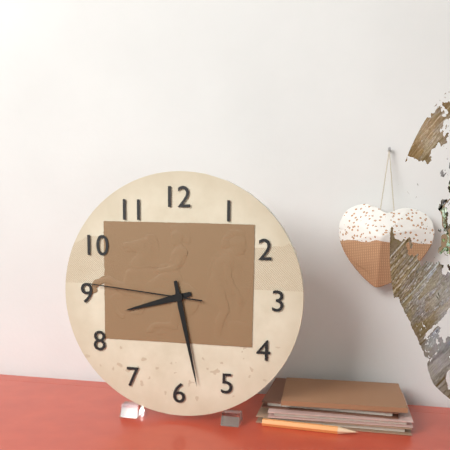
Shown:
8,28,46
